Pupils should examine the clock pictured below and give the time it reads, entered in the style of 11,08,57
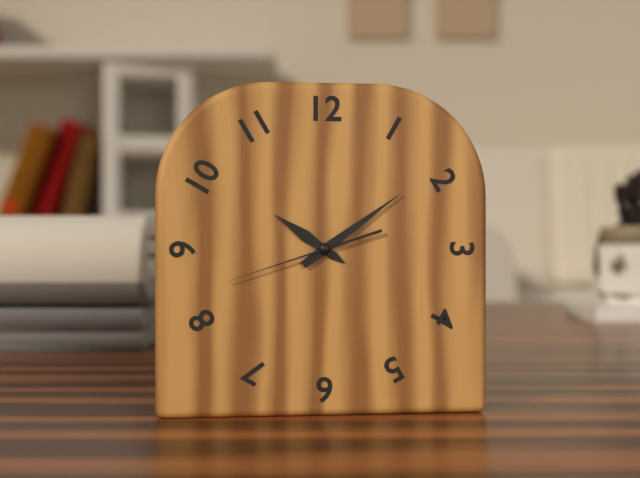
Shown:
10,09,42
